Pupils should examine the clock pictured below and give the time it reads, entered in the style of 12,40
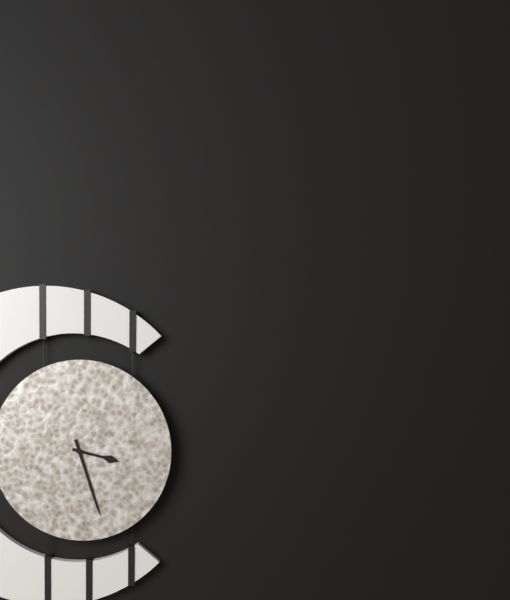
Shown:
3,27
